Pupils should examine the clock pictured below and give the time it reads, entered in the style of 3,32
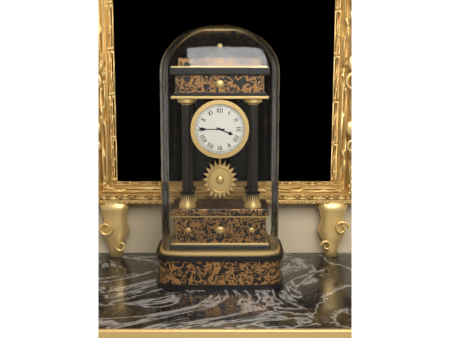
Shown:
3,45
